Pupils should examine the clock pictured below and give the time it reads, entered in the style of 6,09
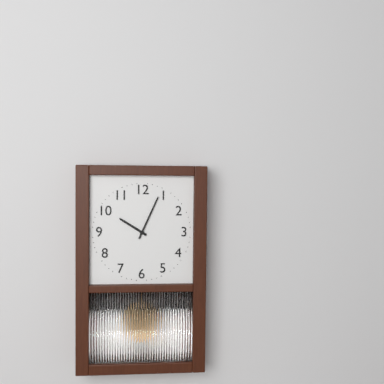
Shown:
10,04
